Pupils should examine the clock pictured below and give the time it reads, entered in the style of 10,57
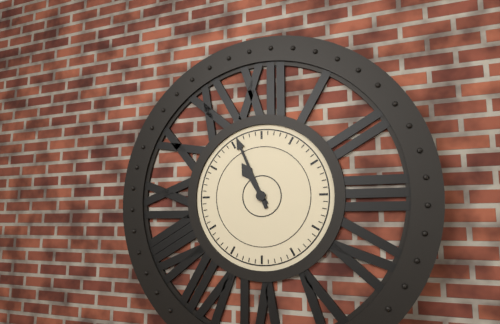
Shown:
10,56
